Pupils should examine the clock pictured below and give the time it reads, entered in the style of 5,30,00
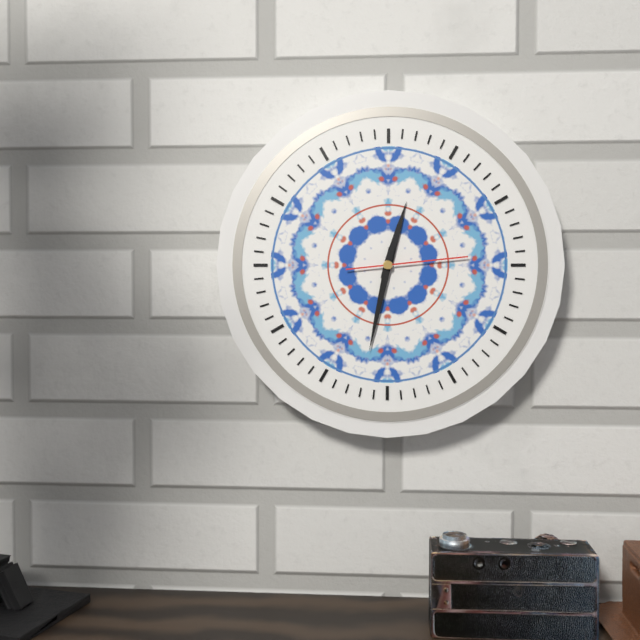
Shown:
12,32,14
